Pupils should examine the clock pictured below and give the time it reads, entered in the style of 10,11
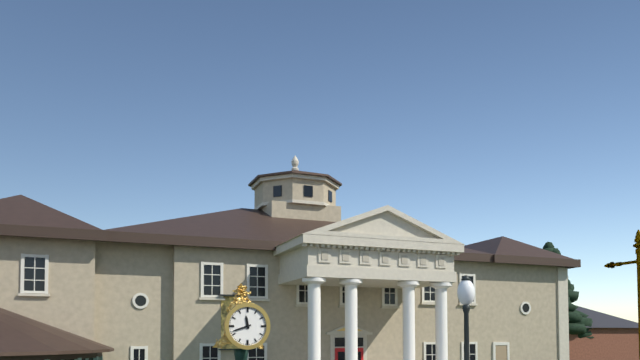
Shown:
11,42
